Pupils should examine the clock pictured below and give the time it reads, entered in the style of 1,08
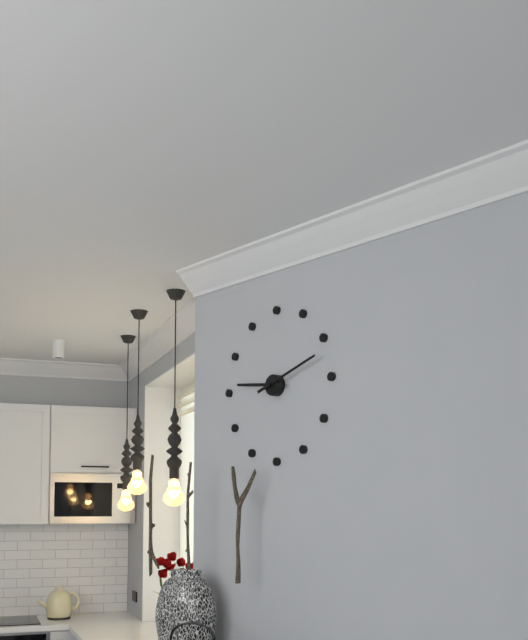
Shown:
9,12
